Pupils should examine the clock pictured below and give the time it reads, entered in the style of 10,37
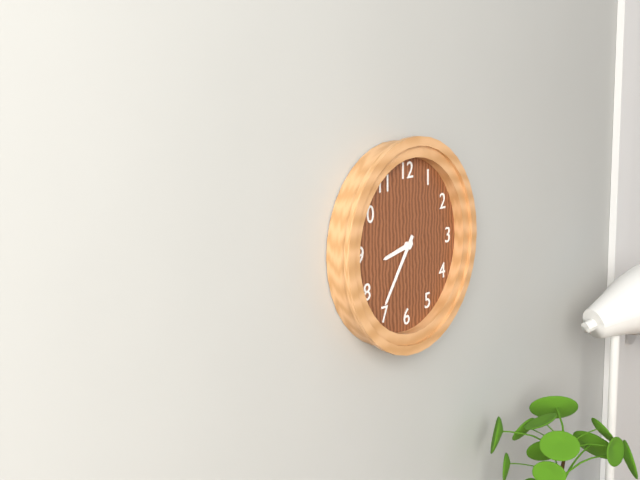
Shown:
8,36
